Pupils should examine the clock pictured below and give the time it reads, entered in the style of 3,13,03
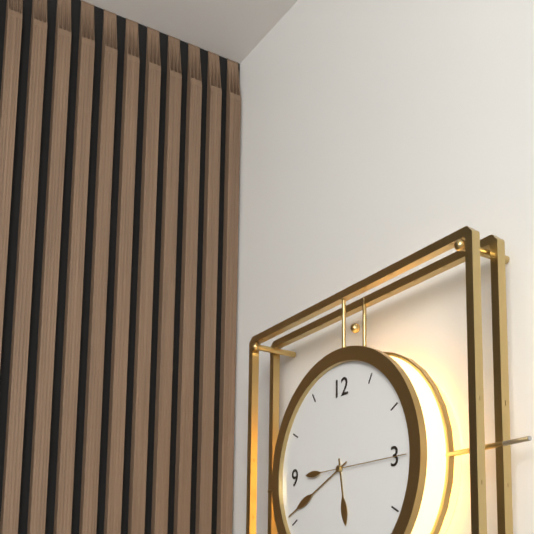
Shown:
5,41,15
